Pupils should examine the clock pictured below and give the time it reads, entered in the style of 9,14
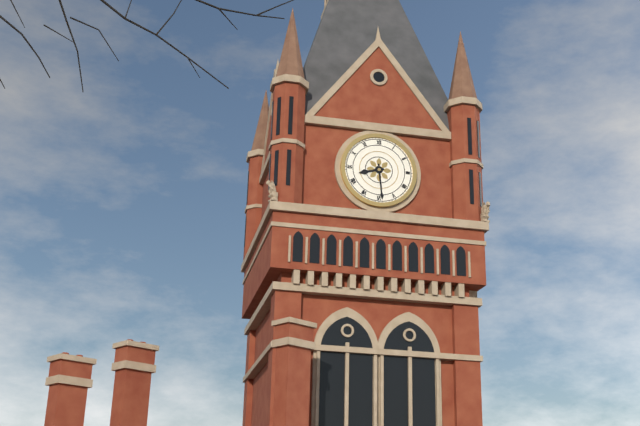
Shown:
8,29
